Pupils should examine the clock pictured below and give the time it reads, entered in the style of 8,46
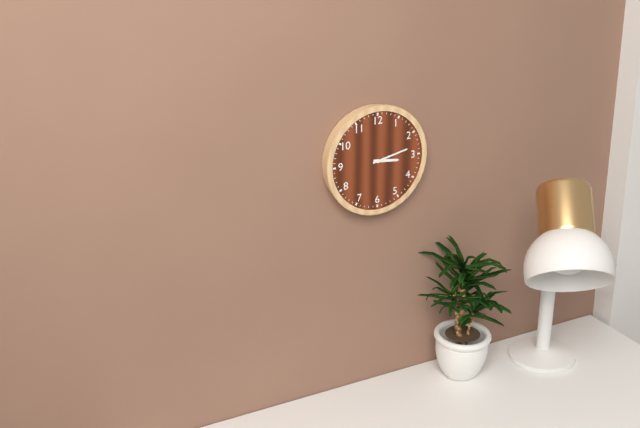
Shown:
3,13
